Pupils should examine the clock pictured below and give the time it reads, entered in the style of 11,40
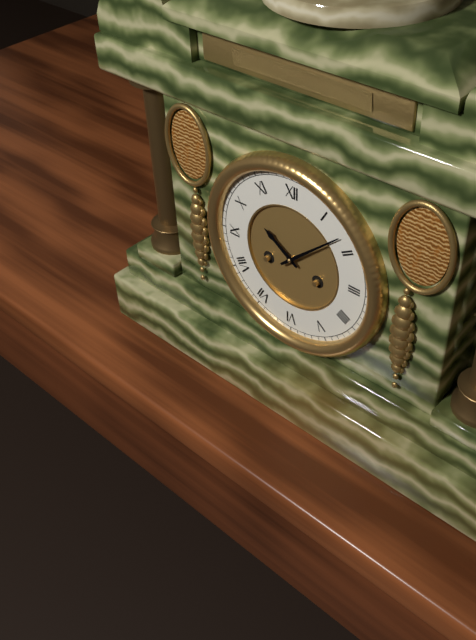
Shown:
10,08
